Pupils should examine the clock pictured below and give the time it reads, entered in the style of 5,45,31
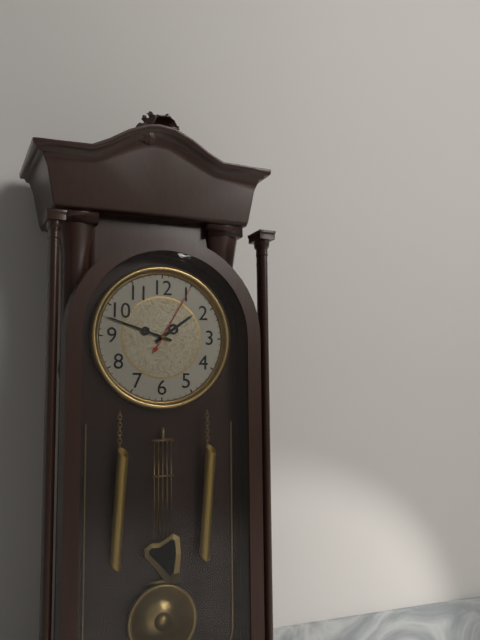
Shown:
1,48,05
